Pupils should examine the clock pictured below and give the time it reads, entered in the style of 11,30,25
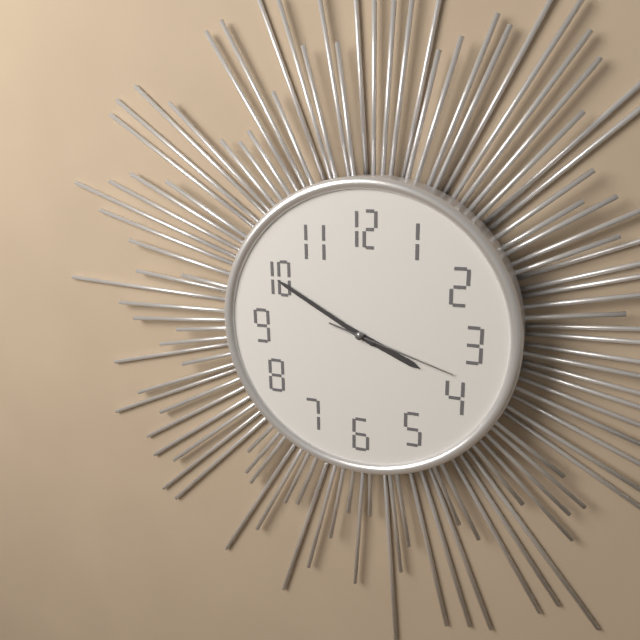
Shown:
3,50,18
